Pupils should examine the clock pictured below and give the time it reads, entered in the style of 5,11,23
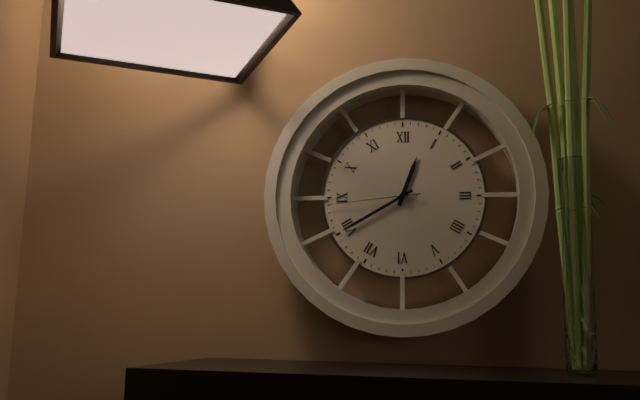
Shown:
12,40,44
